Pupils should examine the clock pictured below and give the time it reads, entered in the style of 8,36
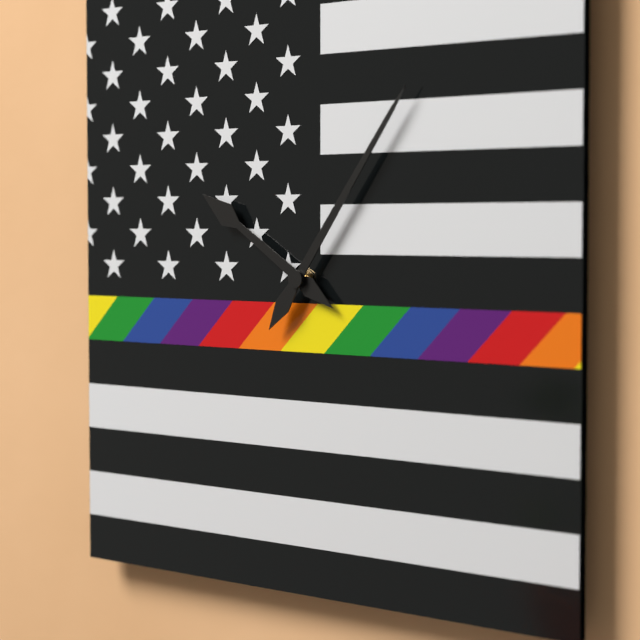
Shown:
10,06
